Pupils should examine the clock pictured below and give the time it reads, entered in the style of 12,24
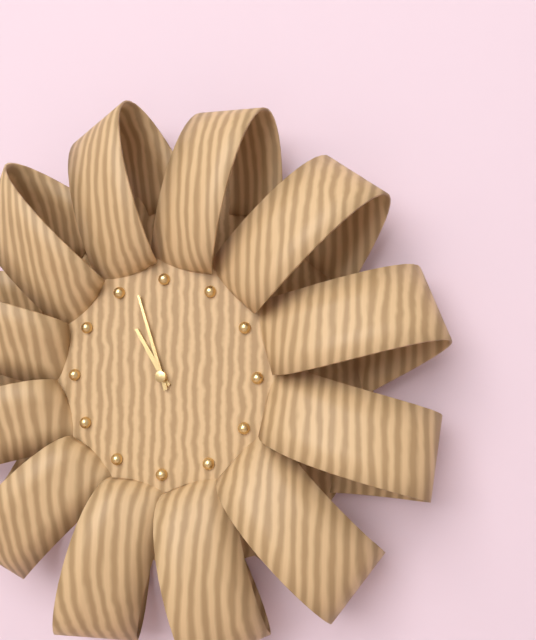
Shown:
10,57
